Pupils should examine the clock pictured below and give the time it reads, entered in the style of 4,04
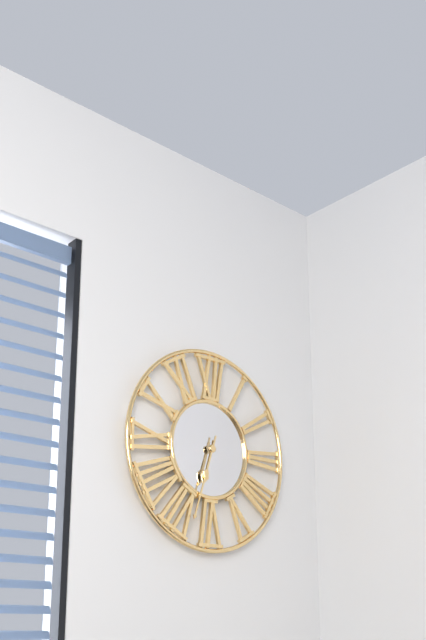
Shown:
6,33
